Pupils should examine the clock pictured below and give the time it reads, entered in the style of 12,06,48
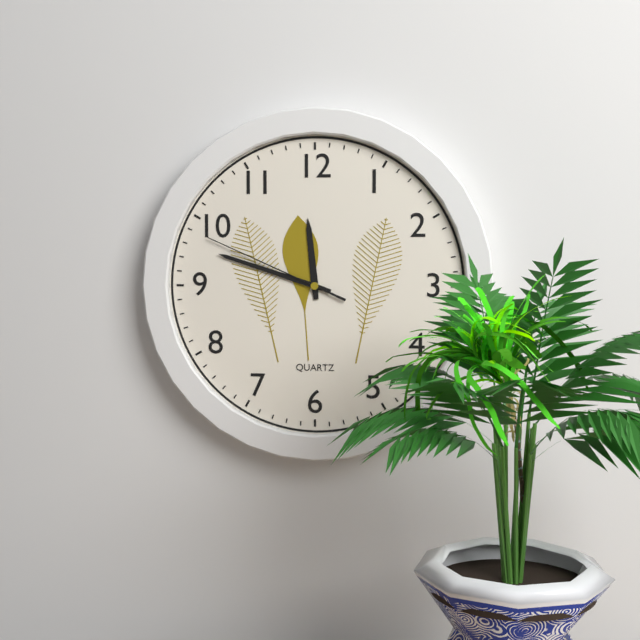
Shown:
11,48,49
